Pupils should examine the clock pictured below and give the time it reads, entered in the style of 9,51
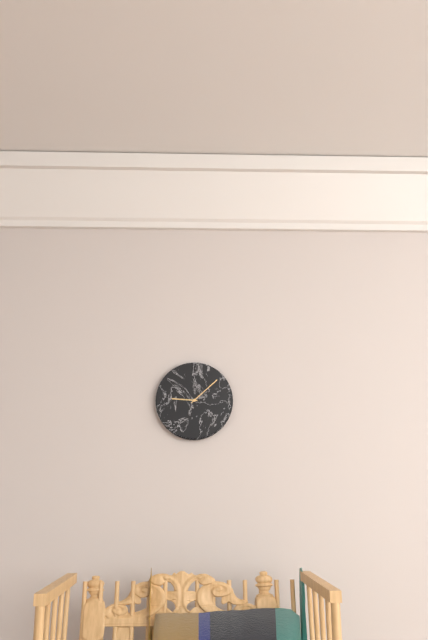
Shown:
9,08
